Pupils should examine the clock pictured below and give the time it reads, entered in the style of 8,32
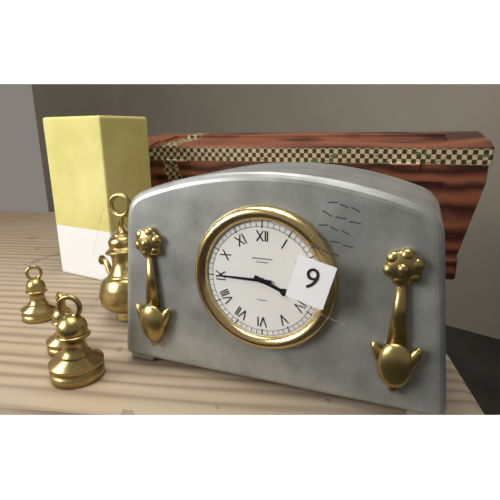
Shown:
3,45
